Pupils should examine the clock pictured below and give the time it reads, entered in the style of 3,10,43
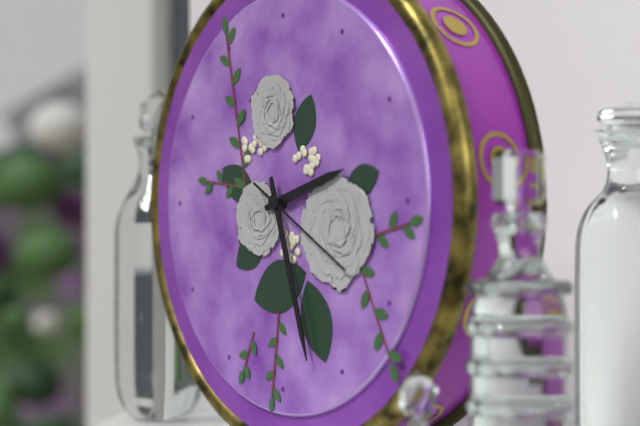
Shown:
2,27,20
